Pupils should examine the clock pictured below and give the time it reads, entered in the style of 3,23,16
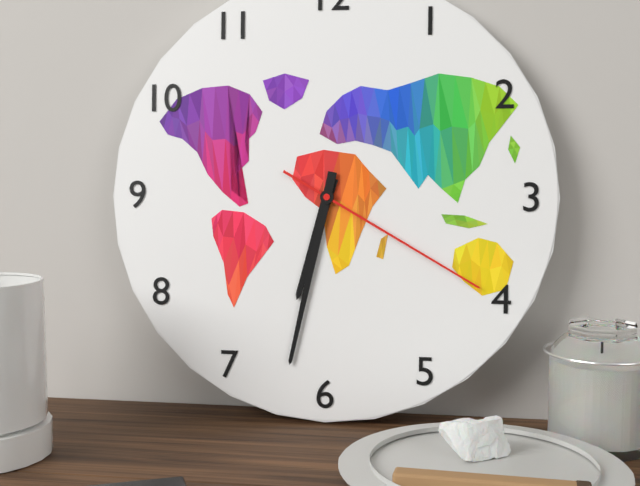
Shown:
6,32,20
